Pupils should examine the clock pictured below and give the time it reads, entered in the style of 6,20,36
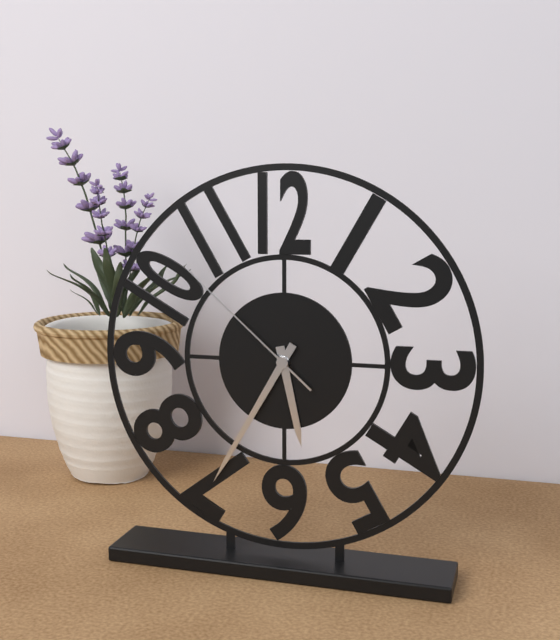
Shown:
5,35,52
